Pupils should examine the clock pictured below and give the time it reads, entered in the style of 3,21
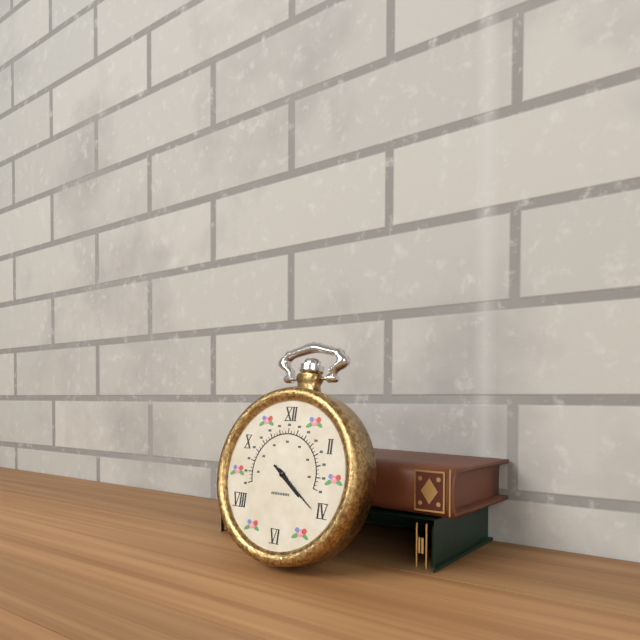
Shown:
4,21
